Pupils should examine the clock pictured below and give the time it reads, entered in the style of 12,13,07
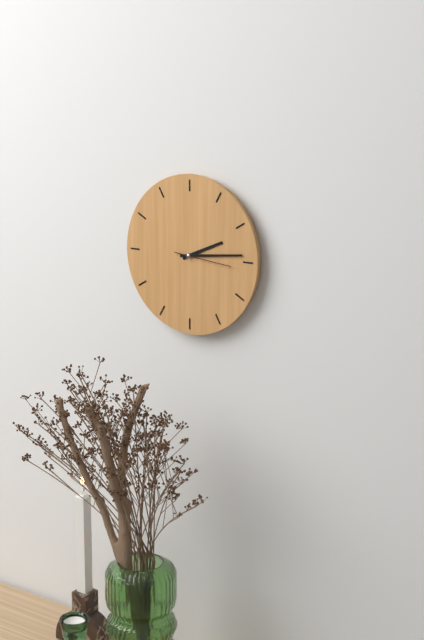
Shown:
2,14,16
